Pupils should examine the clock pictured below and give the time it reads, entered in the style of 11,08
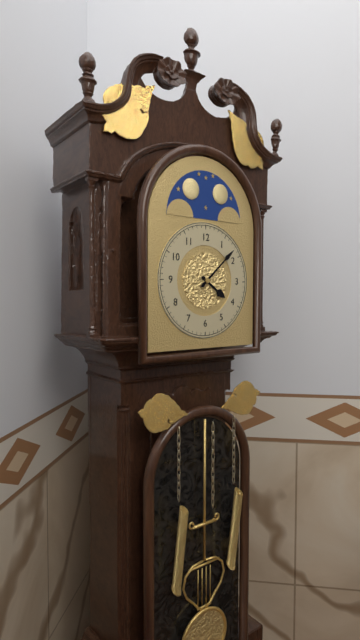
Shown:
4,08
